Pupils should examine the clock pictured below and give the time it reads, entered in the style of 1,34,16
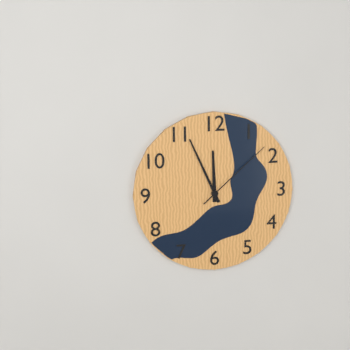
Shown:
11,56,08
